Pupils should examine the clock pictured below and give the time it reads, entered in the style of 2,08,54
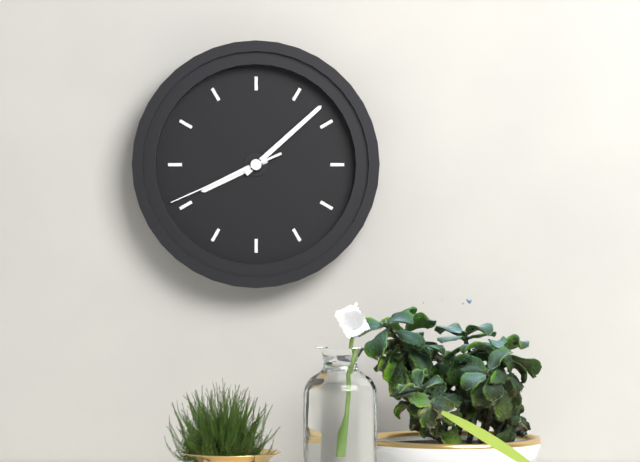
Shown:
8,08,41
